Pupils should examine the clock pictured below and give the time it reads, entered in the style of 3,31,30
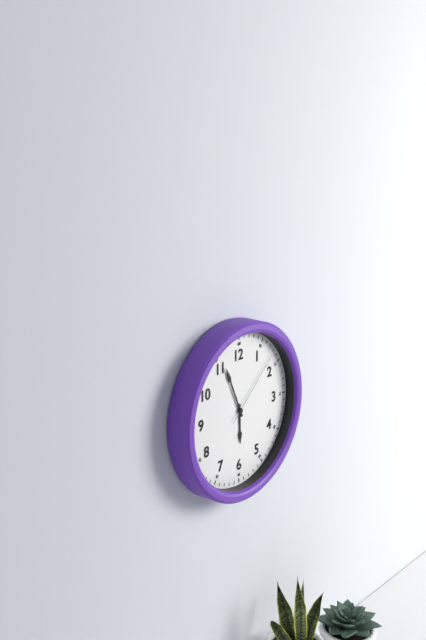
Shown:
5,56,08
